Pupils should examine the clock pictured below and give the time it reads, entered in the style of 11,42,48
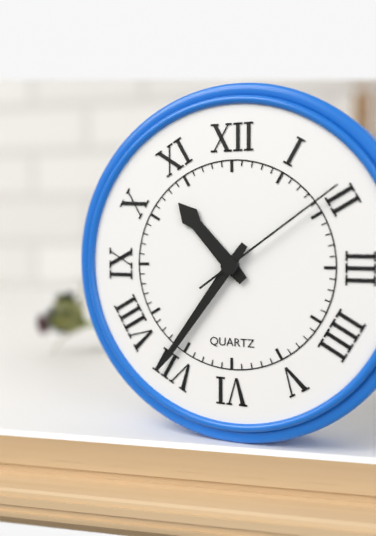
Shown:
10,36,09
